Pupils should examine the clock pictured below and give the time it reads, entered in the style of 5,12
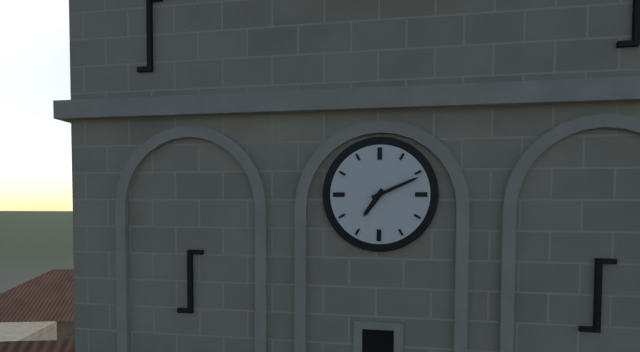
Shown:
7,11
